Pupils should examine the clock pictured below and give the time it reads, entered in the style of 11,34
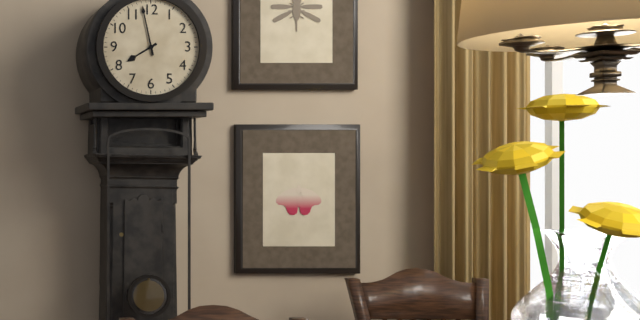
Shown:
7,58
